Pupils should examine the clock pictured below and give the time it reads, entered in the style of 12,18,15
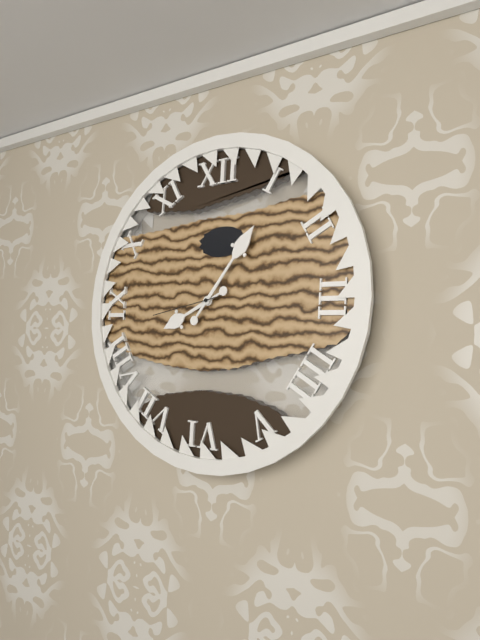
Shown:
8,06,43
